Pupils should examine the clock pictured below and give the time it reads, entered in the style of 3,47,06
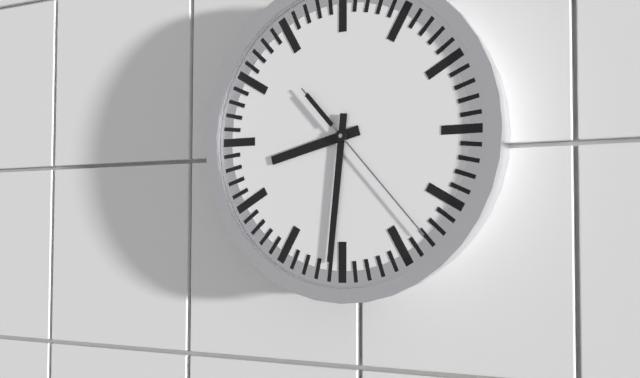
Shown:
8,31,23
